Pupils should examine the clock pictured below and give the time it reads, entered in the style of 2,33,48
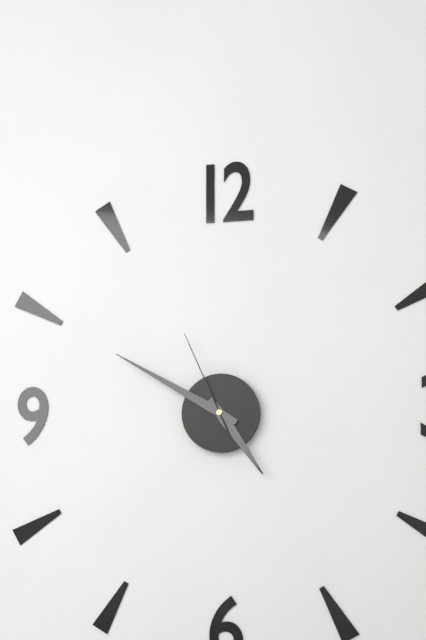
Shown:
4,50,56
